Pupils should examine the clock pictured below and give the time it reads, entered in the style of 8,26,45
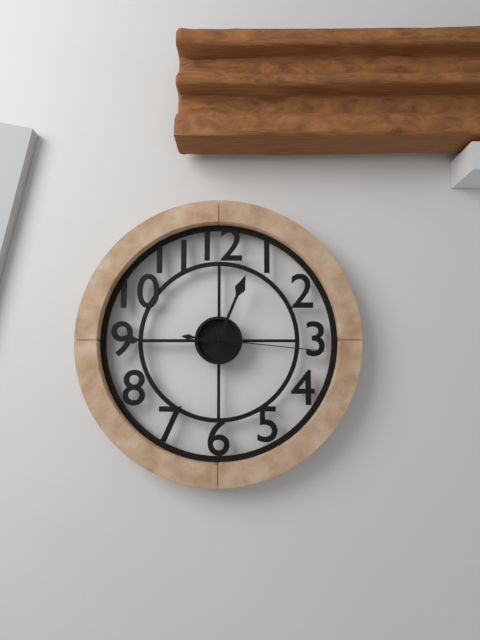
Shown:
12,45,16
